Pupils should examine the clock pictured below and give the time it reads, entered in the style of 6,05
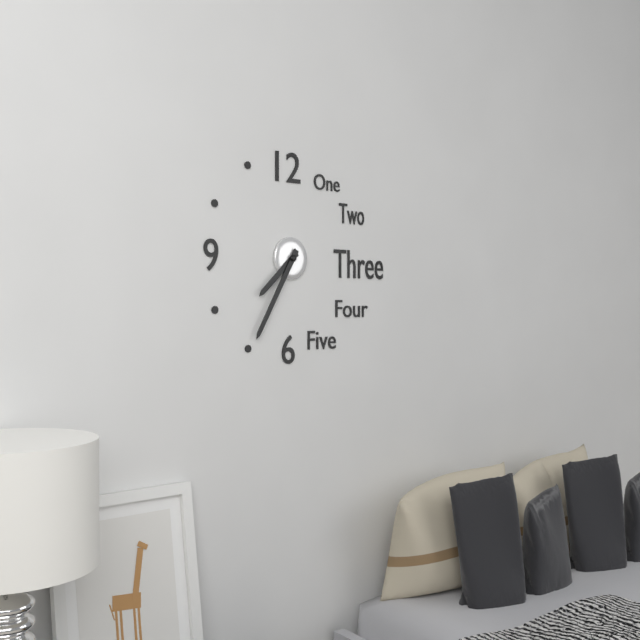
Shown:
7,35
